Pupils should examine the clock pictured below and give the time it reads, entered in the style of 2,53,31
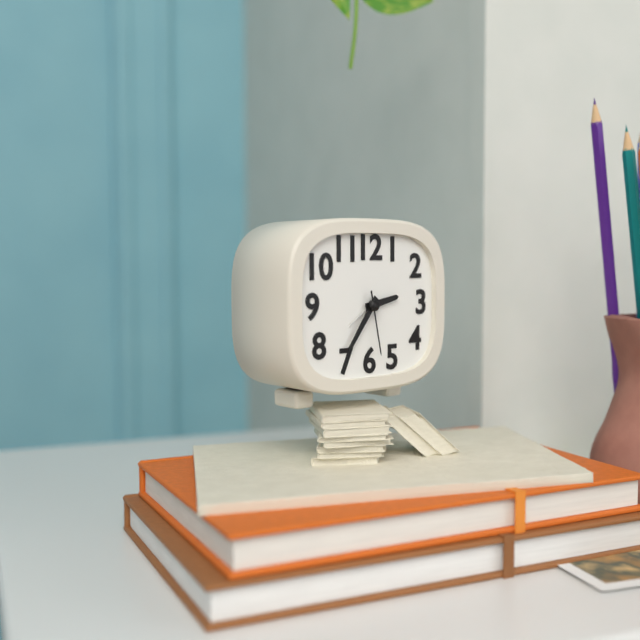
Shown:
2,36,28
